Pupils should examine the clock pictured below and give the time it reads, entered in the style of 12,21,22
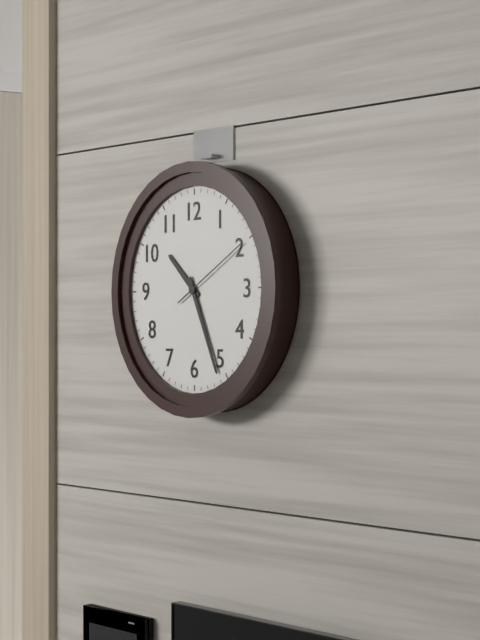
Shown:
10,26,10
